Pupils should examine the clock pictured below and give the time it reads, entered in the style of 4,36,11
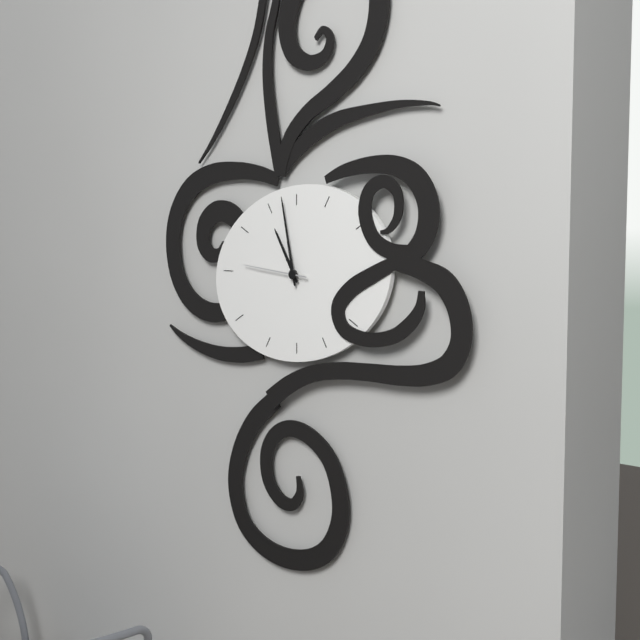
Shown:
10,58,46
